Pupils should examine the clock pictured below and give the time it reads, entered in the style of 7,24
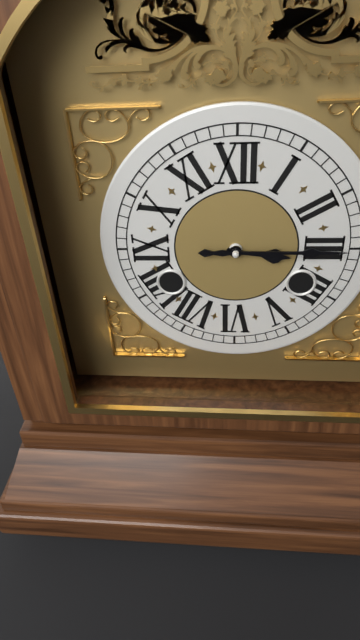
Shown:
3,15
